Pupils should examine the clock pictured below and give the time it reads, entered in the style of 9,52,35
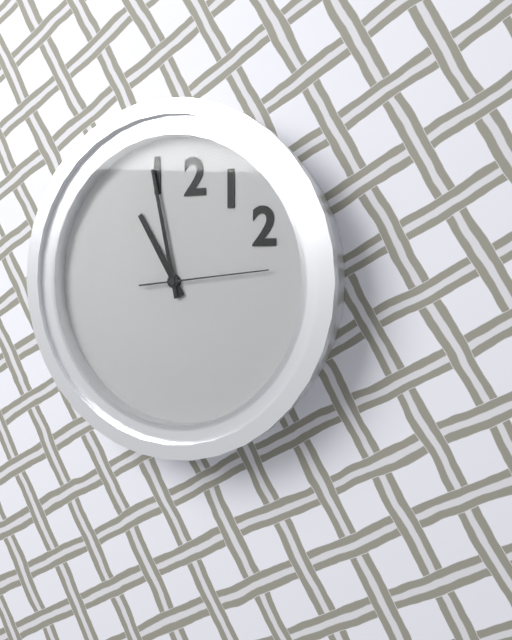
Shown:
10,58,14
